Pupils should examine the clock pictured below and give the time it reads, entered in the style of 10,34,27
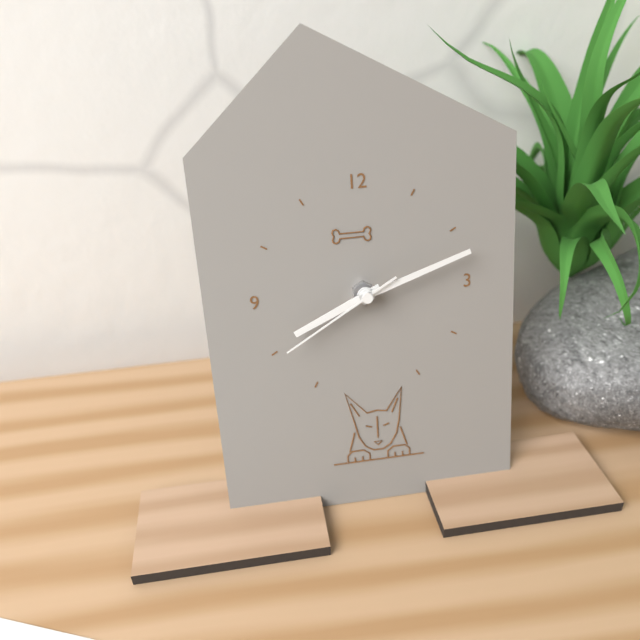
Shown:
8,12,40
